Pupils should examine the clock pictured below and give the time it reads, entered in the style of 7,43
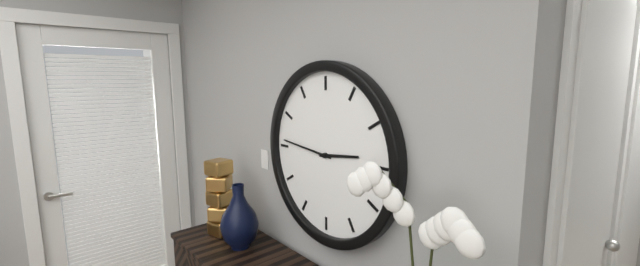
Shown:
2,46
